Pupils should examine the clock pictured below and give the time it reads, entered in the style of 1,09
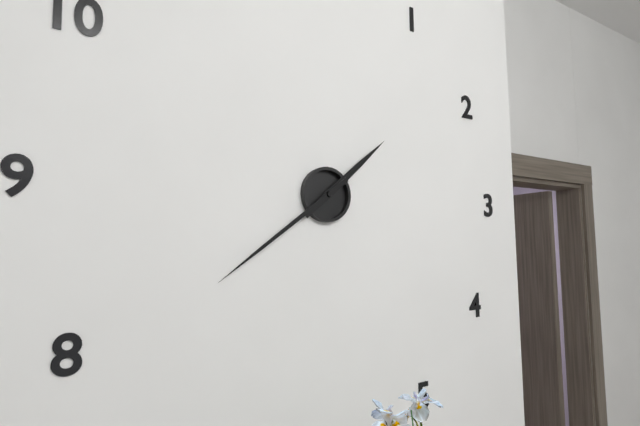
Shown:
1,39
